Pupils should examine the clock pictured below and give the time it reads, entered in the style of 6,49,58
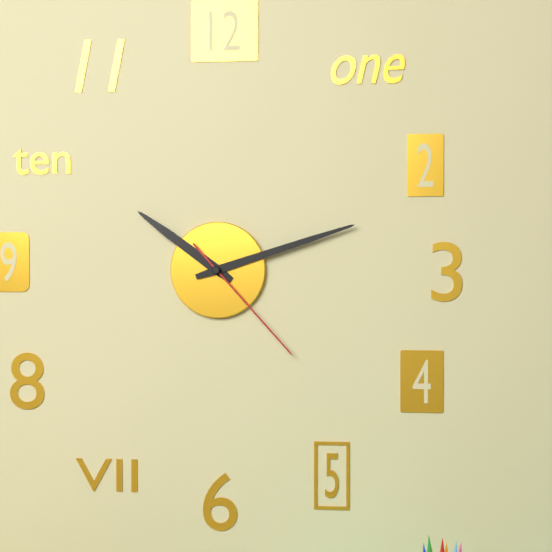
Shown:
10,12,23
